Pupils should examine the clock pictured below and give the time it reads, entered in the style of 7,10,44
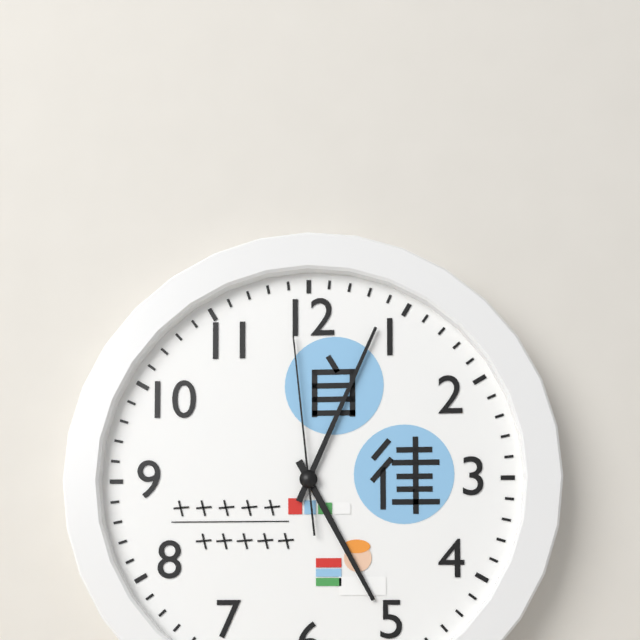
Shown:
5,04,59
